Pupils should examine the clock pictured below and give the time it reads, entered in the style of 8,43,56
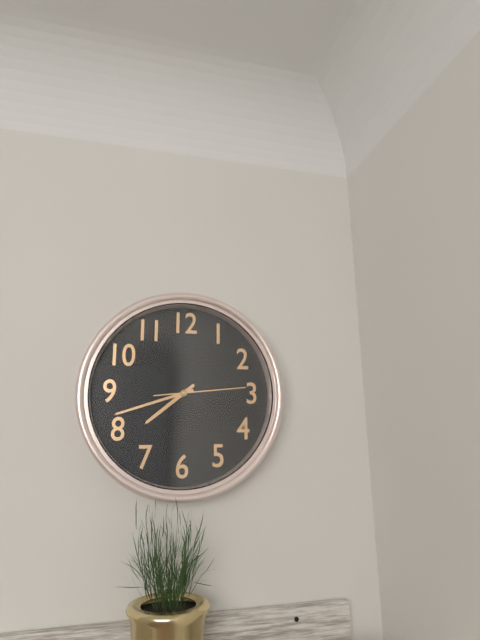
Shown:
7,42,14
